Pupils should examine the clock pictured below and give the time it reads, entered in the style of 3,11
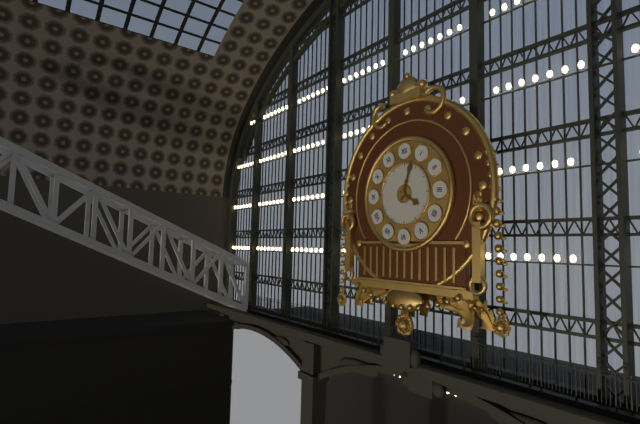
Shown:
4,03
